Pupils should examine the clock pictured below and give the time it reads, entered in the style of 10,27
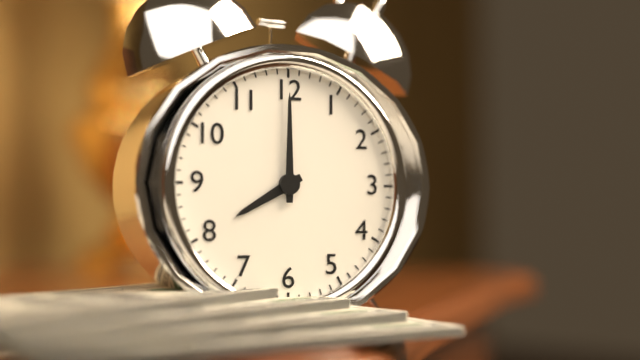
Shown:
8,00
